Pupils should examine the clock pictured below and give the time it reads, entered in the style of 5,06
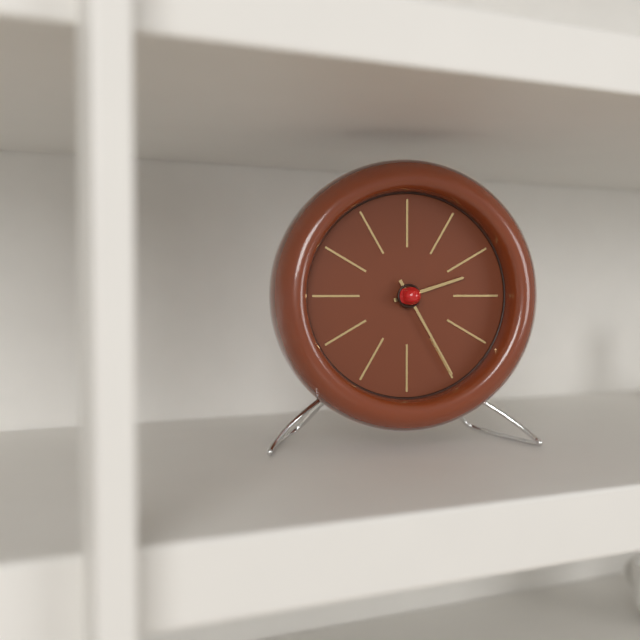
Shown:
2,25
